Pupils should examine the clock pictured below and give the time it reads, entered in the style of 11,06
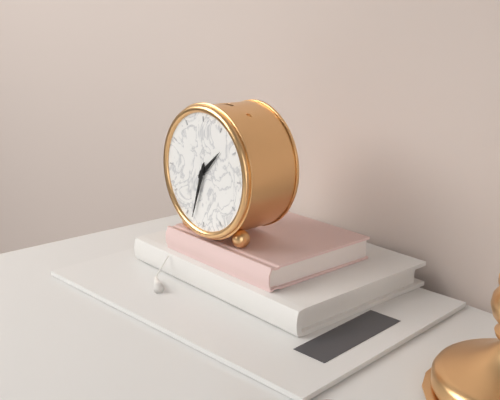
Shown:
1,33
